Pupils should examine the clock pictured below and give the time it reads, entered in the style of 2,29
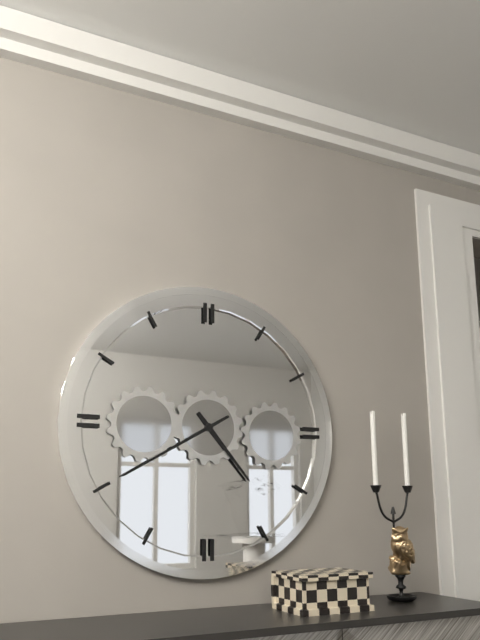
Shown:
4,40
